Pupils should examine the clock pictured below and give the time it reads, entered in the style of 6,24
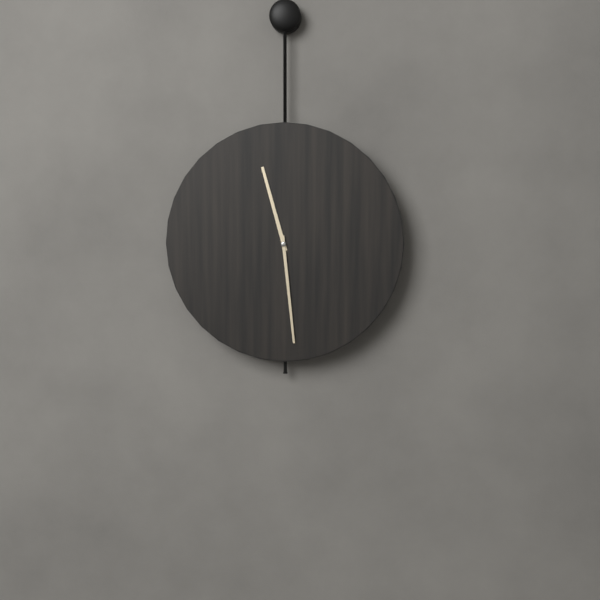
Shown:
11,29
